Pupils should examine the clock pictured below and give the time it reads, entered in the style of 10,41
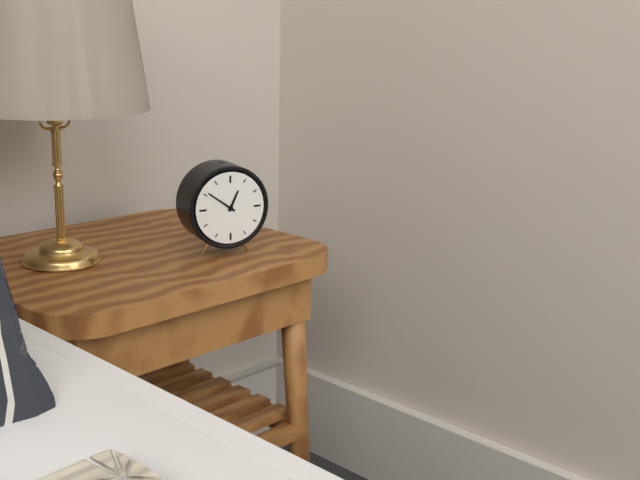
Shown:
12,51
